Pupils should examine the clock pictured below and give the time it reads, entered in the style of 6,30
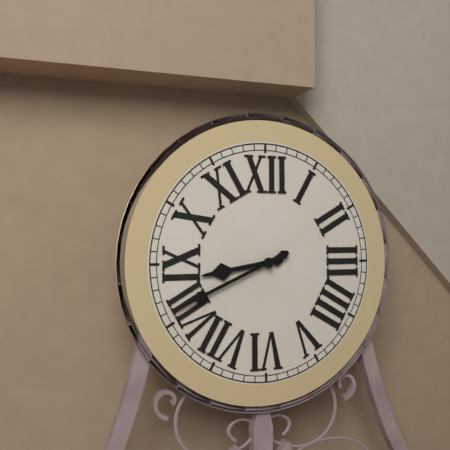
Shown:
8,41
